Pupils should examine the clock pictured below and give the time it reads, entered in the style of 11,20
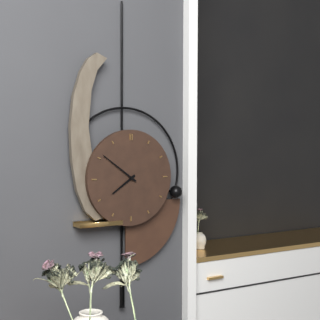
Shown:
7,51
